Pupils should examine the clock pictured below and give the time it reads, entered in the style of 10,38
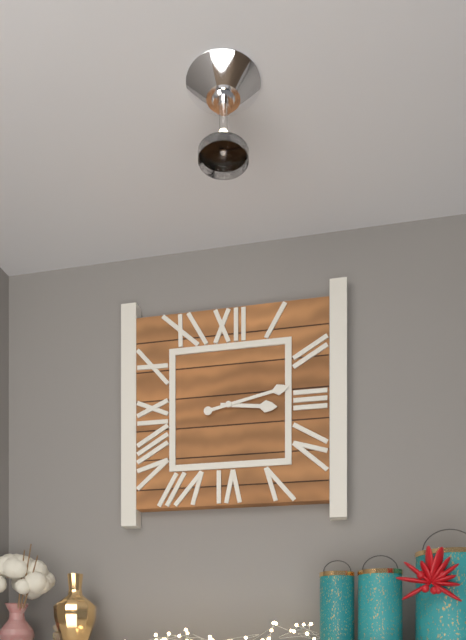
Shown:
3,13
